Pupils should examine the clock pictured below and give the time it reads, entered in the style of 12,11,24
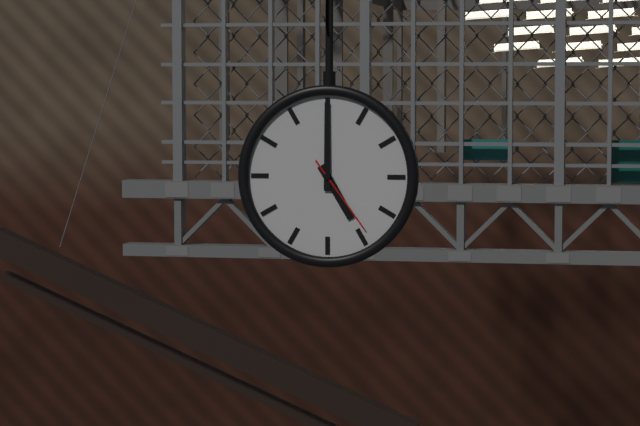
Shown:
5,00,24
